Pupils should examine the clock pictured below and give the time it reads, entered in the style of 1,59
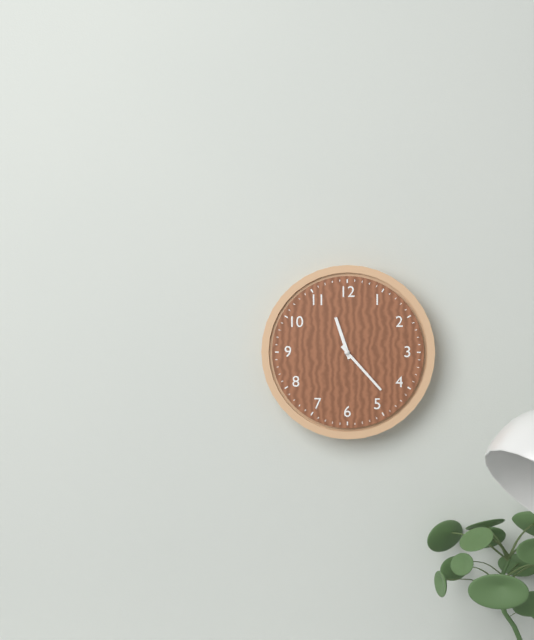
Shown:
11,23
